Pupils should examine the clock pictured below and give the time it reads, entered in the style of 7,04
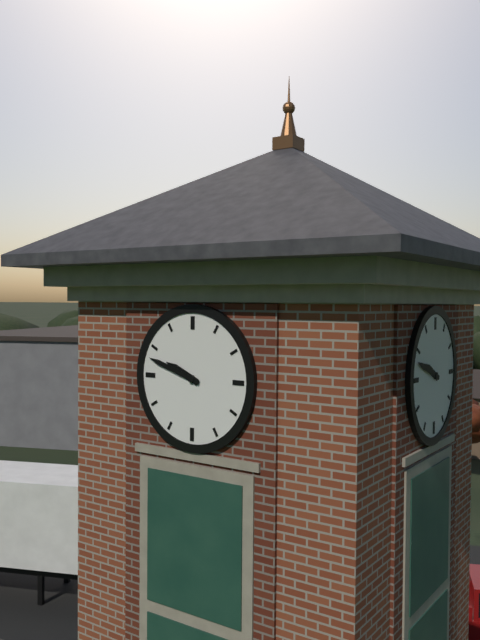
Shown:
9,48
